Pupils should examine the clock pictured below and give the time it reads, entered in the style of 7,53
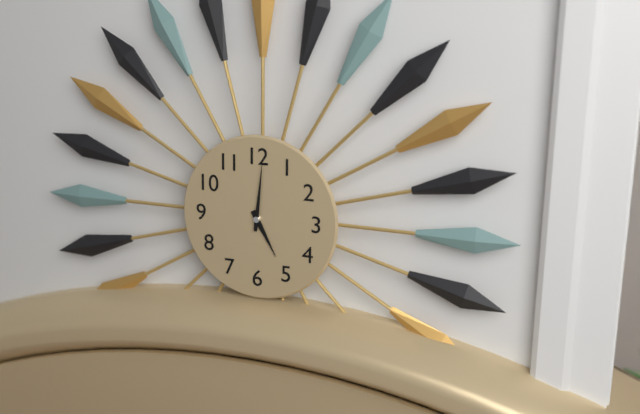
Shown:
5,01
